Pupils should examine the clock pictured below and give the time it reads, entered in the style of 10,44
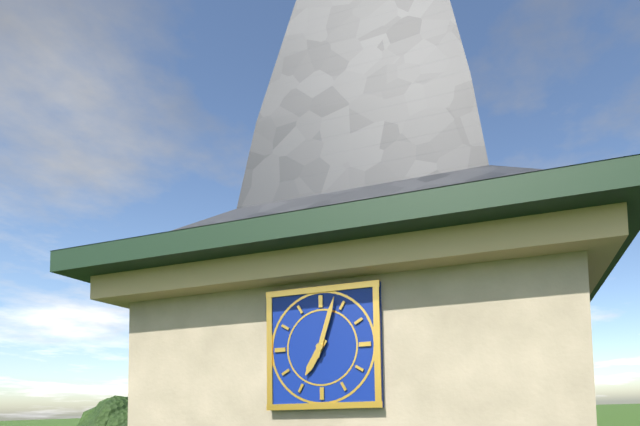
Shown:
7,03
